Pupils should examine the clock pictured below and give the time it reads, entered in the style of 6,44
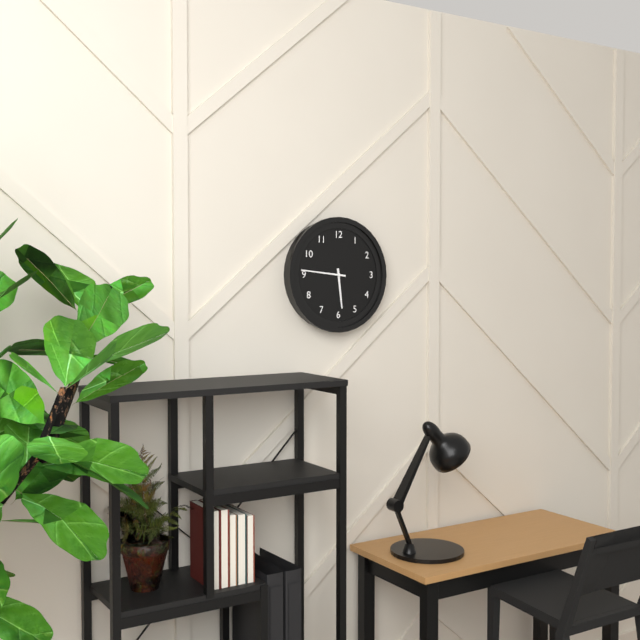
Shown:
5,46
